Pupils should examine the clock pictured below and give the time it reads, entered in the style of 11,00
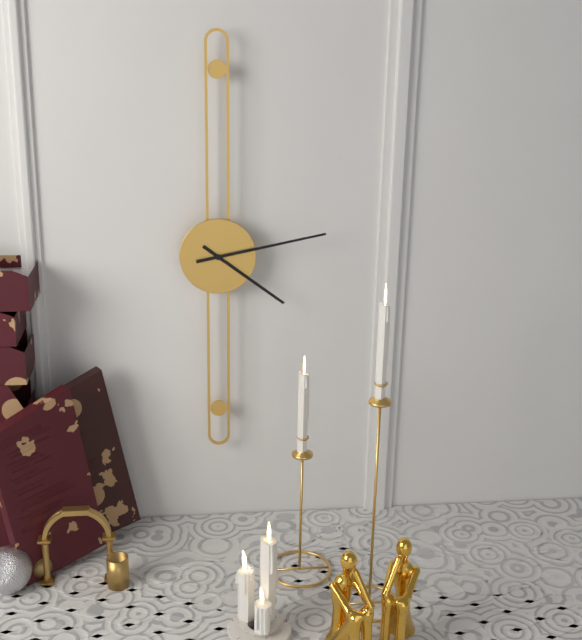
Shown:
4,13
